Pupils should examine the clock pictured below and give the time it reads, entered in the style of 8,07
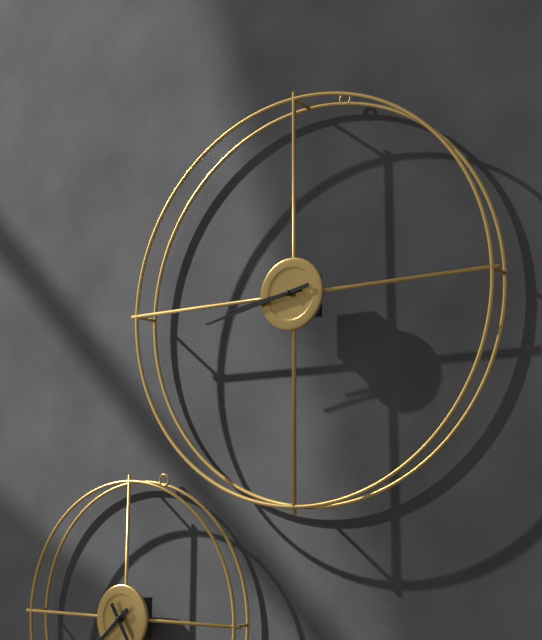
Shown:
8,43
